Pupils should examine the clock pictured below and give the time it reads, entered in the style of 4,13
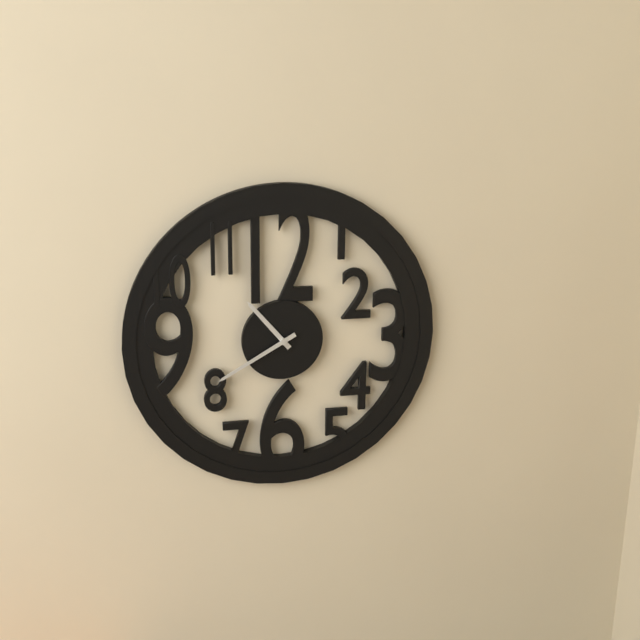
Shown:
10,40
